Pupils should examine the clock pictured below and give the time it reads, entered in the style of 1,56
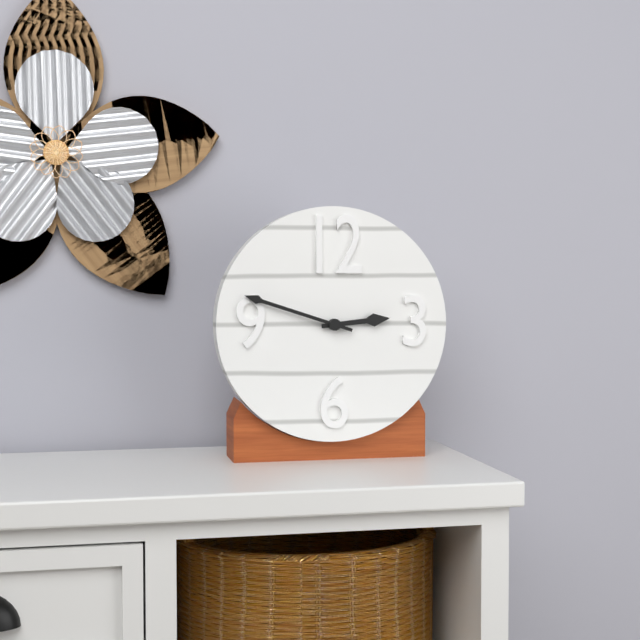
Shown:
2,48
